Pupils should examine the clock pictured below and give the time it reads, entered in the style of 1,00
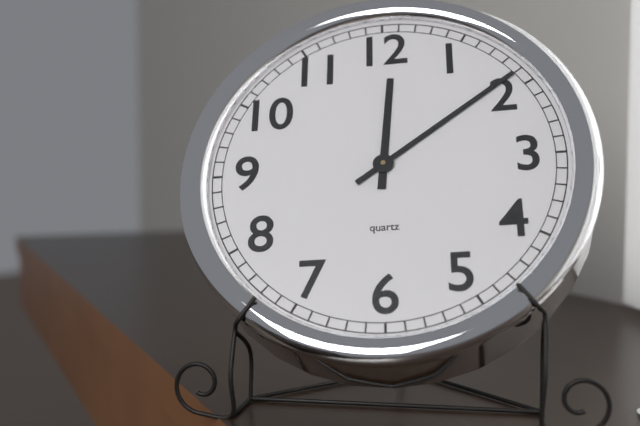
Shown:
12,09
